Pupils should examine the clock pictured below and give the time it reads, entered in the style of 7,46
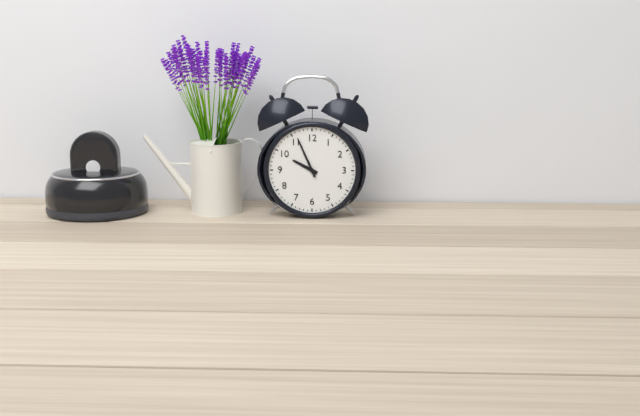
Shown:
9,56
